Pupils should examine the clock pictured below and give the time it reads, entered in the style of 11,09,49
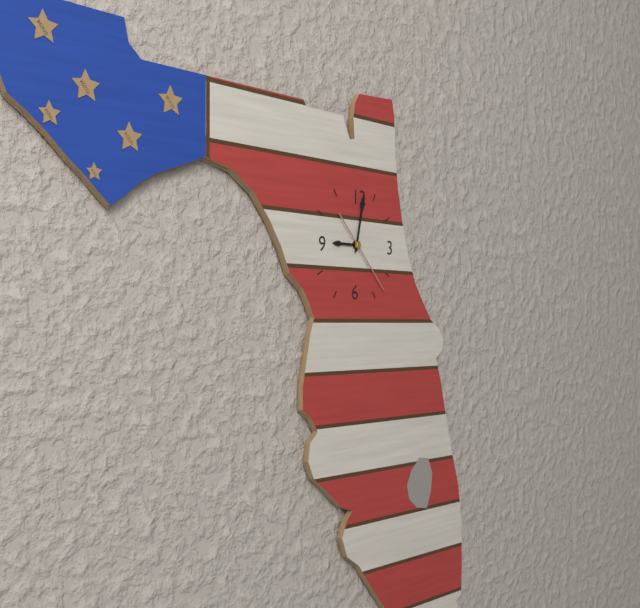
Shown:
9,02,23
